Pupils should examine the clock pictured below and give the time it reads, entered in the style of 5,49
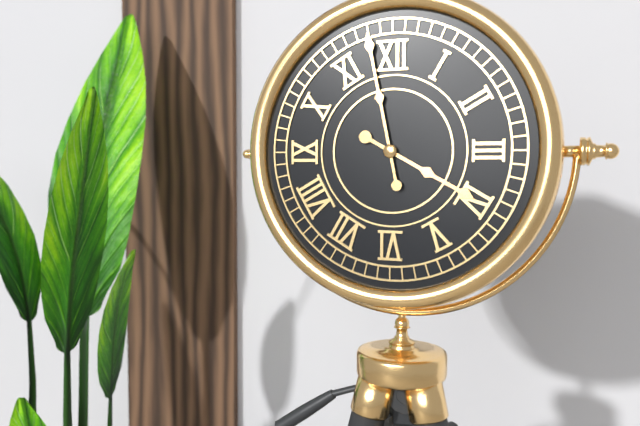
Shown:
3,58
